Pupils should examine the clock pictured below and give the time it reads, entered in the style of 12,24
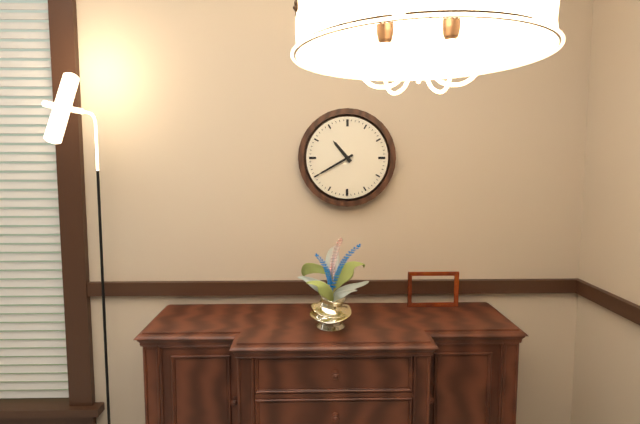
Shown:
10,40
